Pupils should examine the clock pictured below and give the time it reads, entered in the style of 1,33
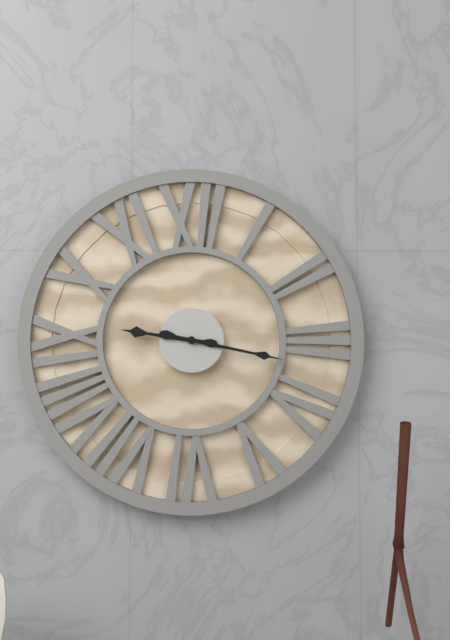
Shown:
9,17
